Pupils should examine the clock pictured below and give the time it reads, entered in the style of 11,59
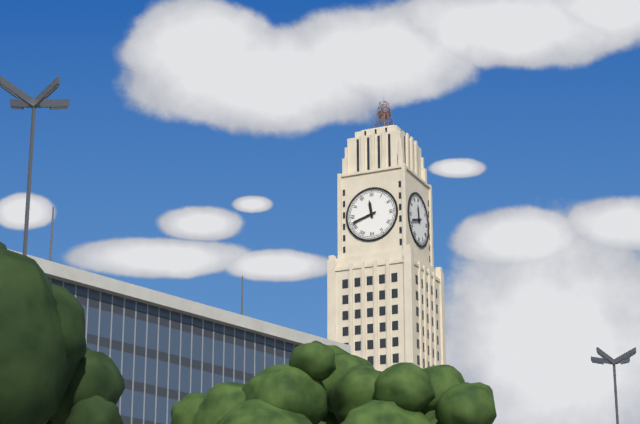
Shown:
11,42
